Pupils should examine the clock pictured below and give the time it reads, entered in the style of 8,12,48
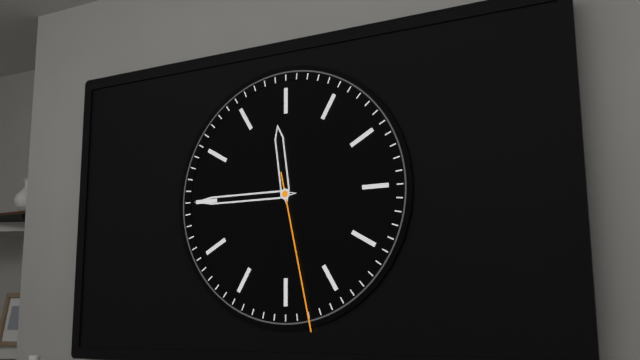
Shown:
11,45,28
